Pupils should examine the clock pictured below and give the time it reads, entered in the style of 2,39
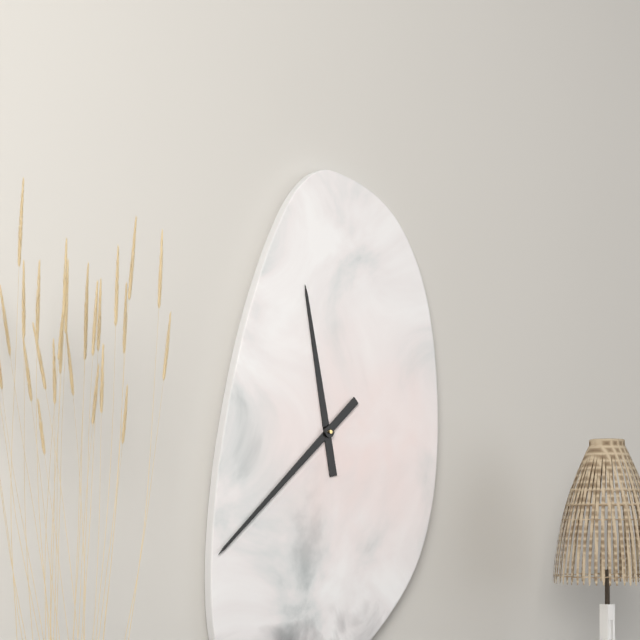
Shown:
11,38
